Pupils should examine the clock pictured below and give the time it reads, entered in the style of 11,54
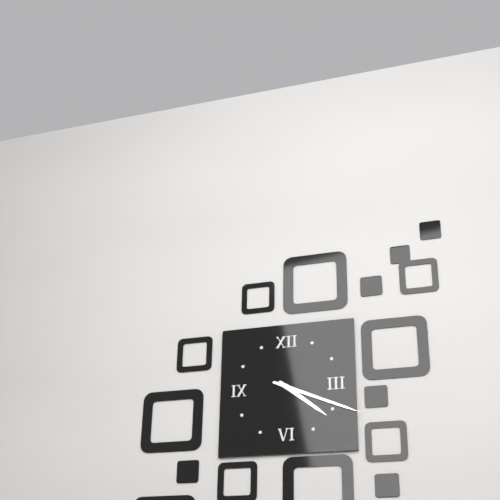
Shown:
4,19
